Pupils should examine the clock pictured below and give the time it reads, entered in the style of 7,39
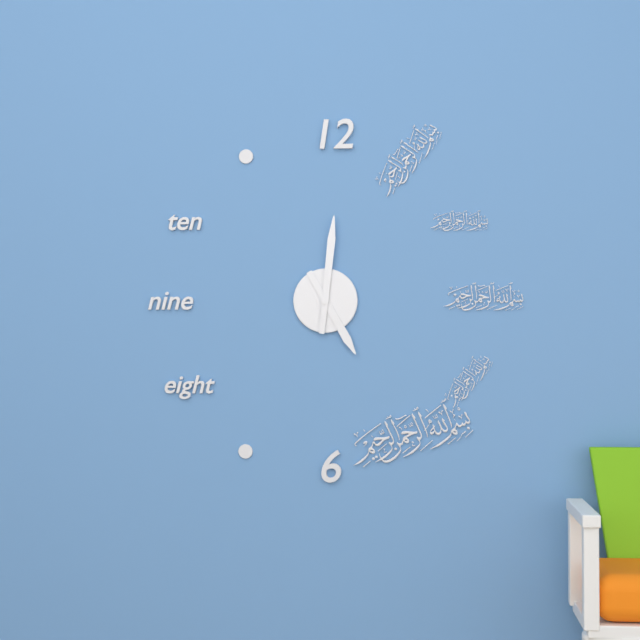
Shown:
5,01
